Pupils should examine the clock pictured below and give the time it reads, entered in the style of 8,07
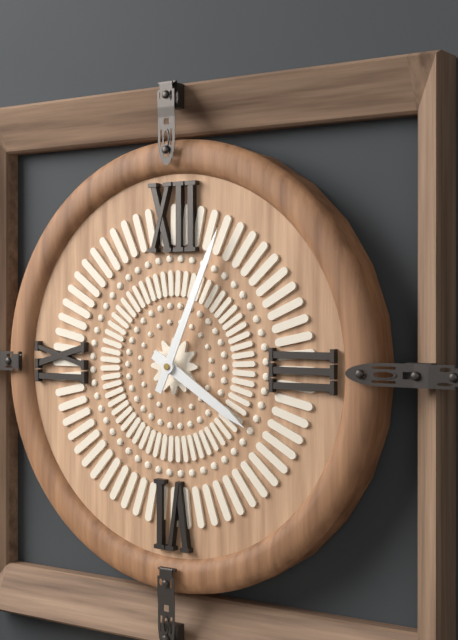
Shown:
4,04
